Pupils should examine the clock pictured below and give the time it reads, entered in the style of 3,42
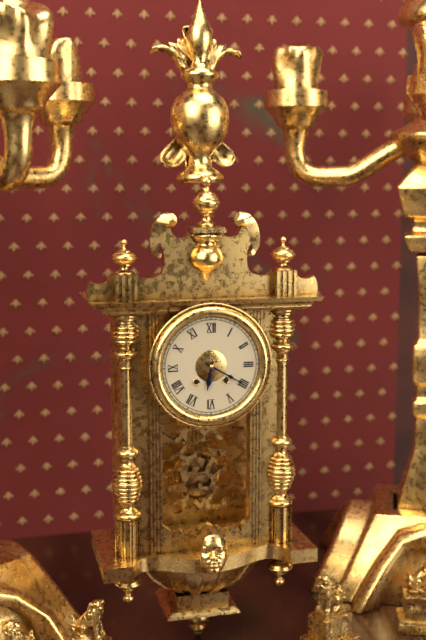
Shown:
6,20
